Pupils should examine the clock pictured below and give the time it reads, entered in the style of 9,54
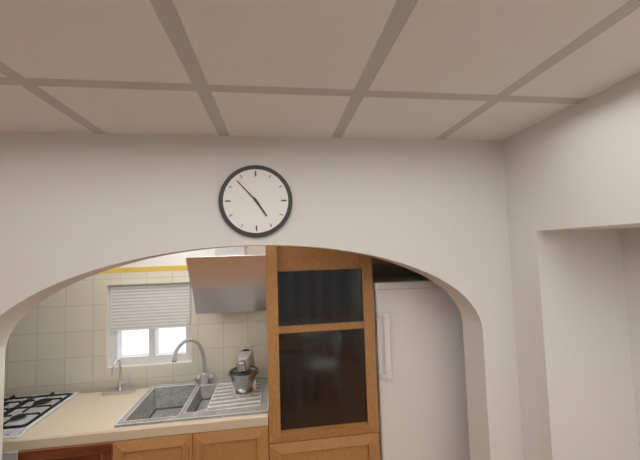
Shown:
4,53
